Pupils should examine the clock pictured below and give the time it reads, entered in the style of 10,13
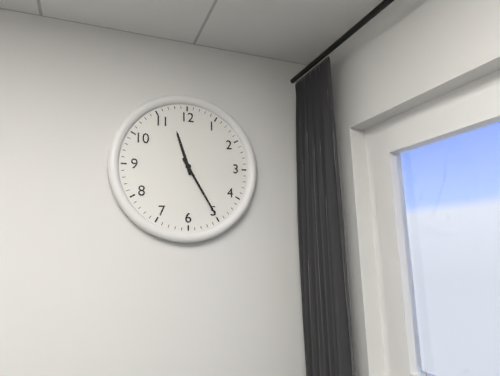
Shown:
11,25
